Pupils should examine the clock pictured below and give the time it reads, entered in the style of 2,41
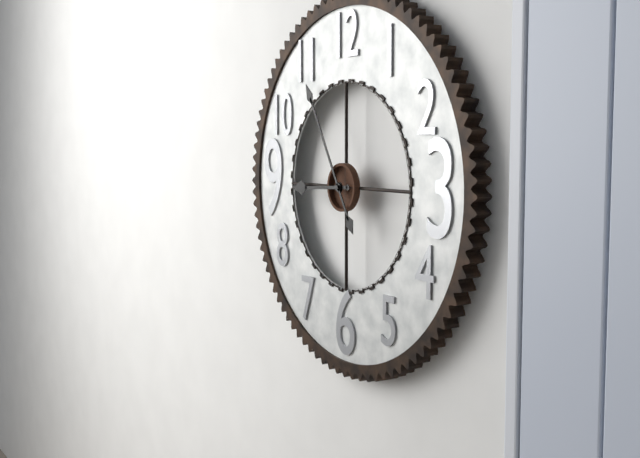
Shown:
8,55
